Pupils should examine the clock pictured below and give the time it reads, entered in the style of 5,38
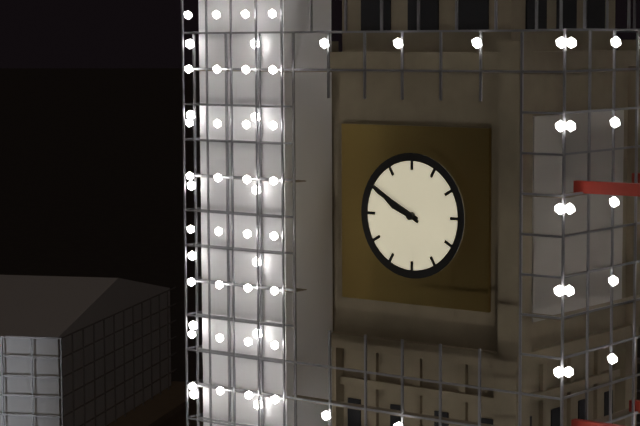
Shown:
9,50
